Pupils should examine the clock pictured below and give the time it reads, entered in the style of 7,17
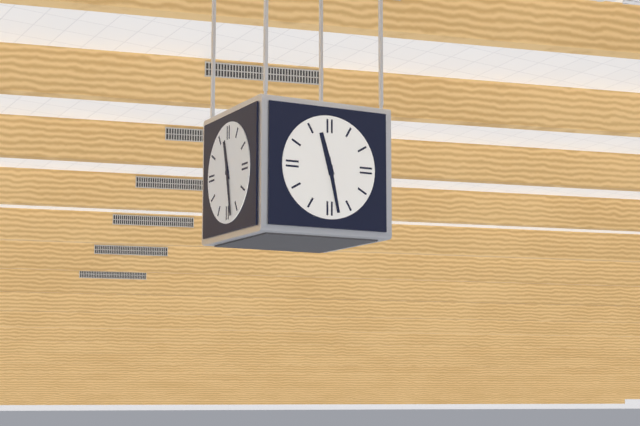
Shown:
11,28
